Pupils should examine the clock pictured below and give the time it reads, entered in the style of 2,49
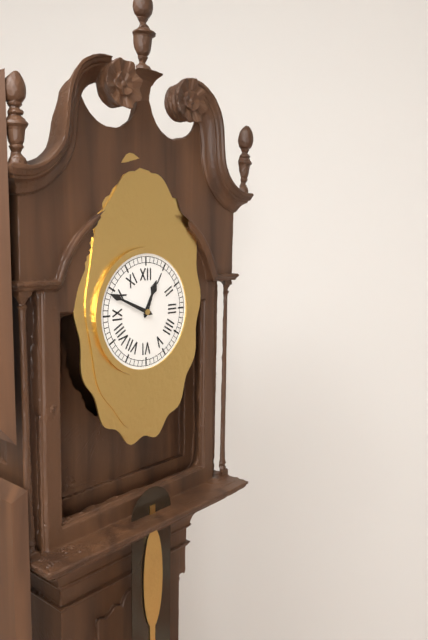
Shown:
12,49
